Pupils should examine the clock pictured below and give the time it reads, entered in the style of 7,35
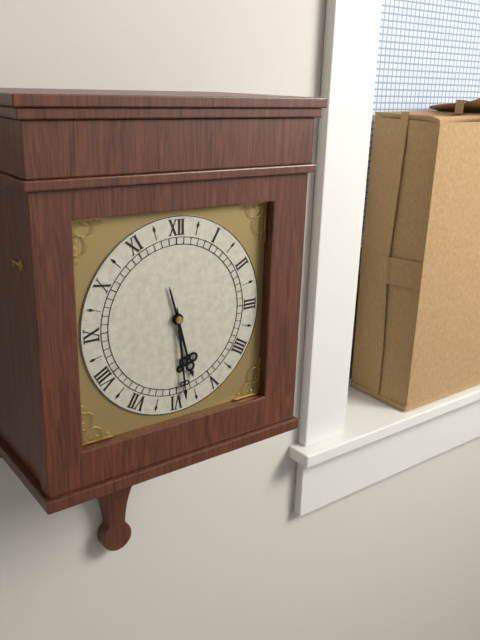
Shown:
5,29
